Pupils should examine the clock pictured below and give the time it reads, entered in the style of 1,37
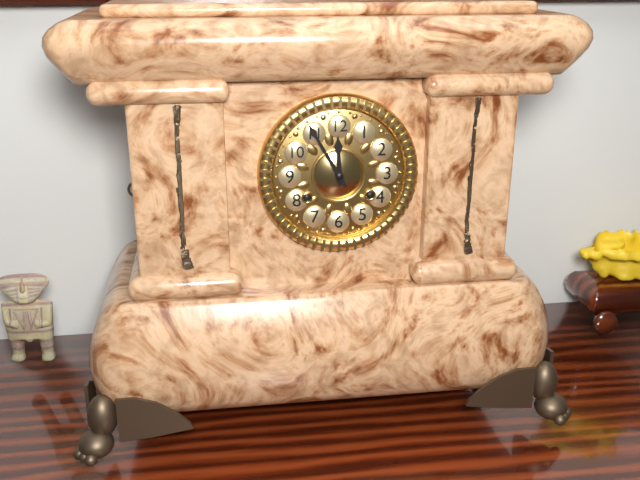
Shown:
11,55
